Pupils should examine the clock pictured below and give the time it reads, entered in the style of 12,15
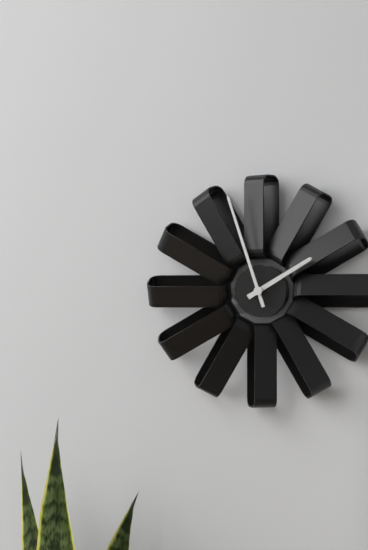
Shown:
1,57
